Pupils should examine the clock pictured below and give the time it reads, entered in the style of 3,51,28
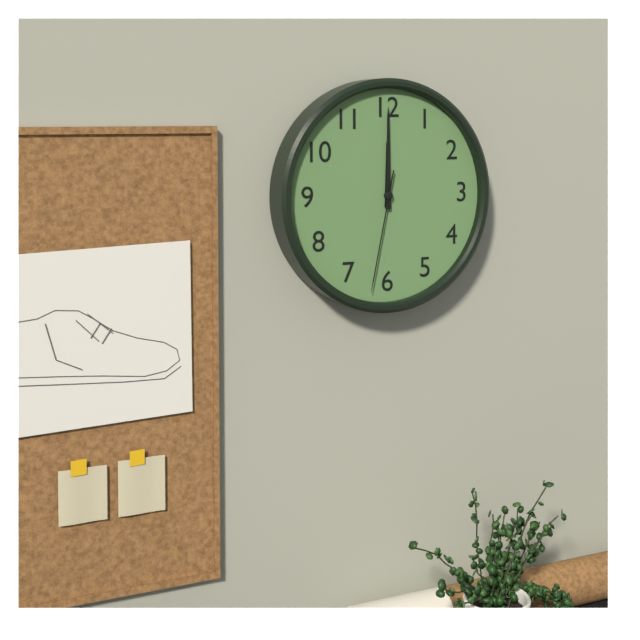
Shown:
12,00,32
